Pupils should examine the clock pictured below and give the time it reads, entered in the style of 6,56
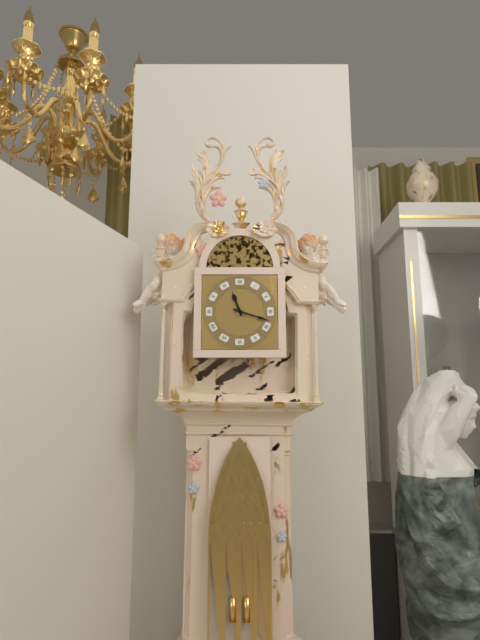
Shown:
11,18
